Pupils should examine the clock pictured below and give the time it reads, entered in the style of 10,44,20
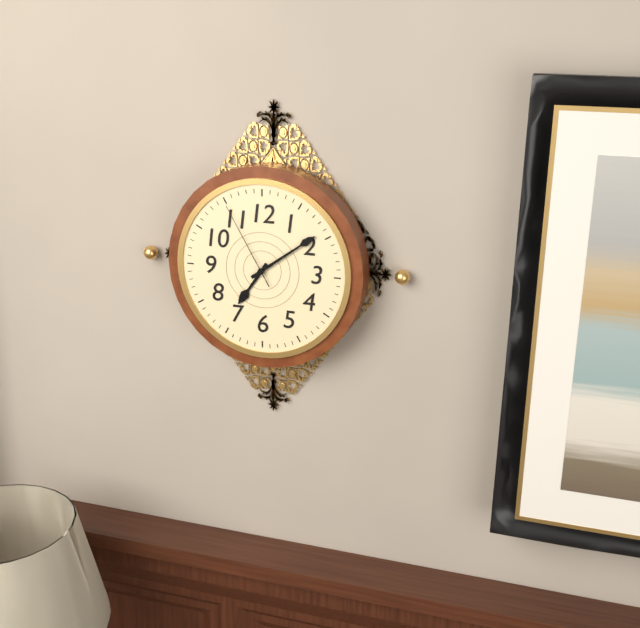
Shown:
7,09,55
